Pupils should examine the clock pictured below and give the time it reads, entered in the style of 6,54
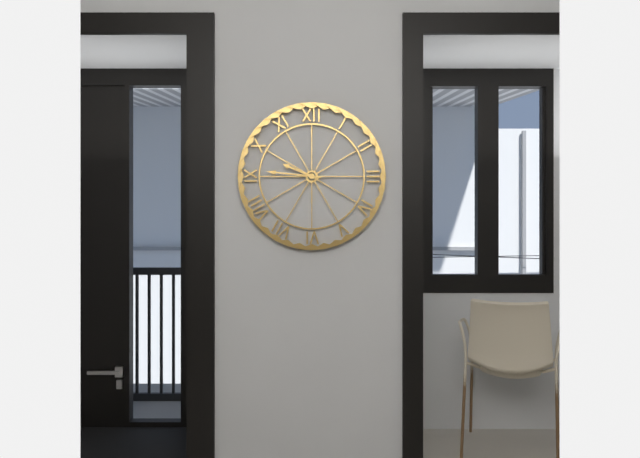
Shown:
9,46
